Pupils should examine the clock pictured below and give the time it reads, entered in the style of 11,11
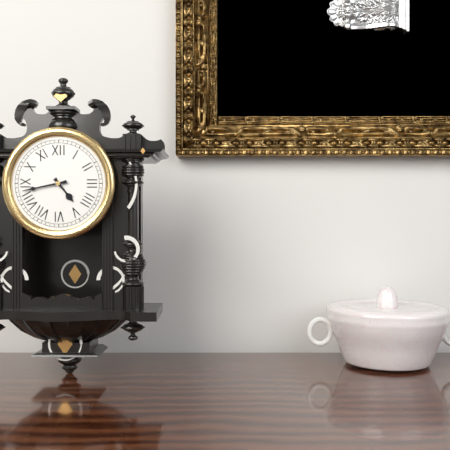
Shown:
4,43
